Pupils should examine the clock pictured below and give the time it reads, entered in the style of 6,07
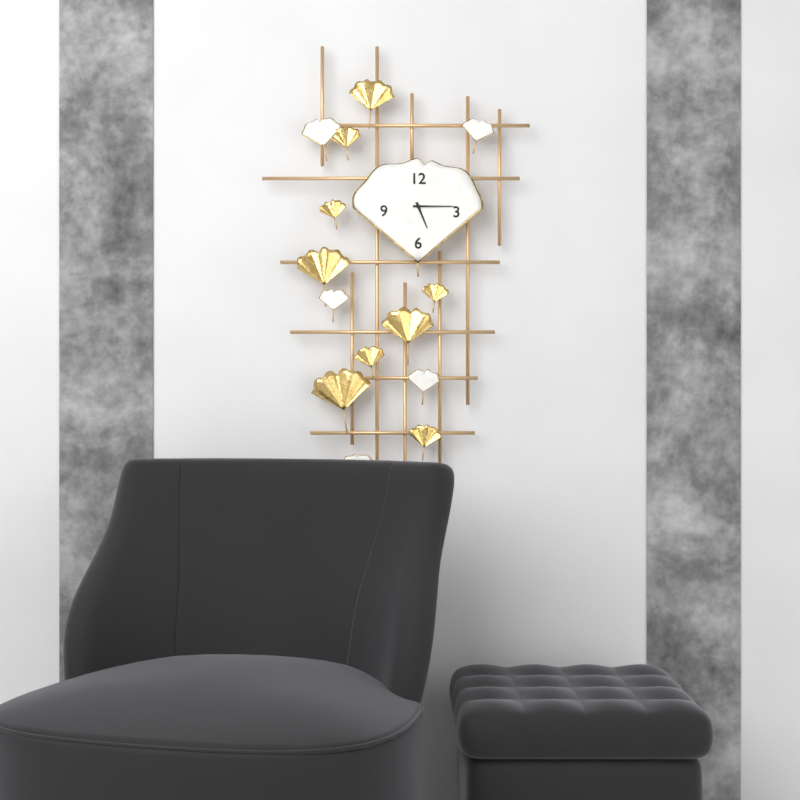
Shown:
5,15
